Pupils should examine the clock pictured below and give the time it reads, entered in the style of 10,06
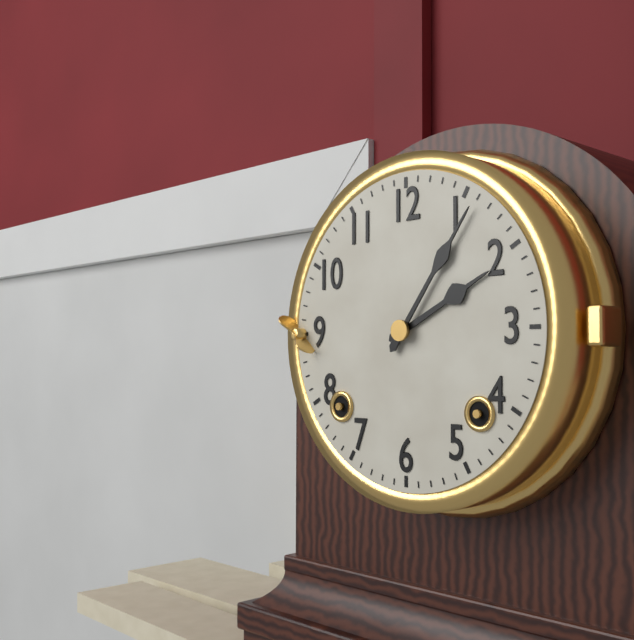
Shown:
2,06
